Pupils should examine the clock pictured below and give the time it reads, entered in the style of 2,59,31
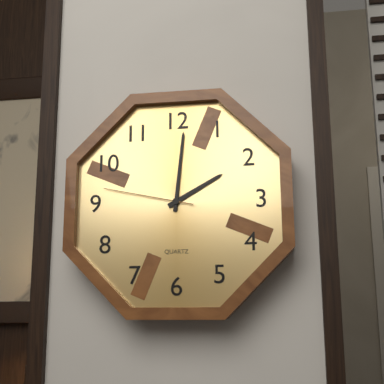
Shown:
2,01,47
